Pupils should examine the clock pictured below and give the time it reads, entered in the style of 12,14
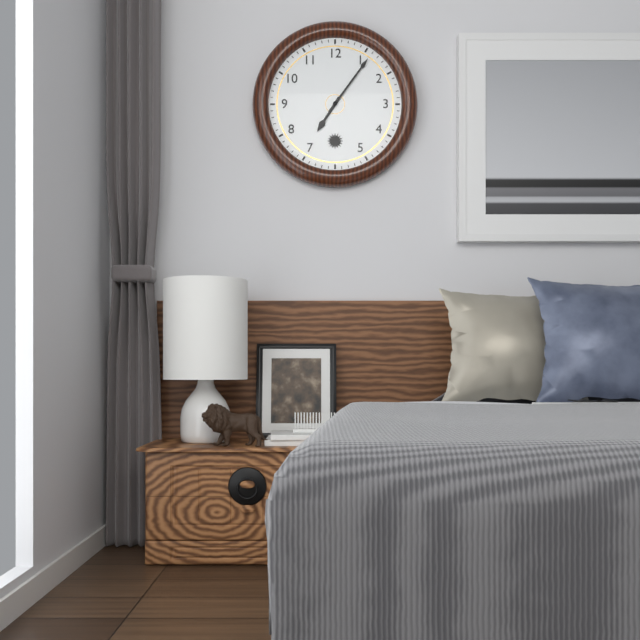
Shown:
7,06
